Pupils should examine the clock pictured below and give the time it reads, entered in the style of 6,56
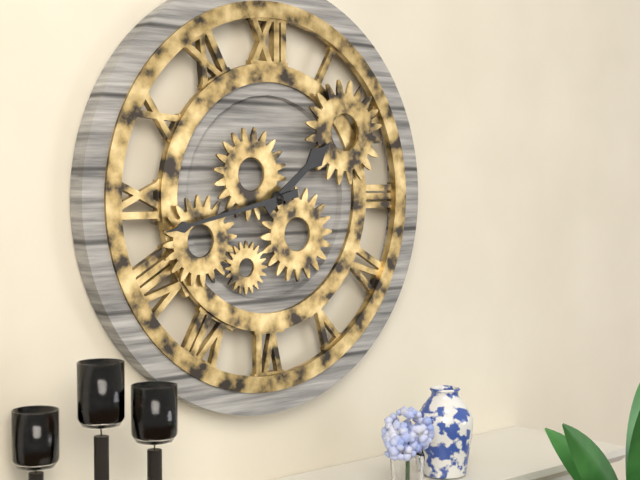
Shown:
1,43
